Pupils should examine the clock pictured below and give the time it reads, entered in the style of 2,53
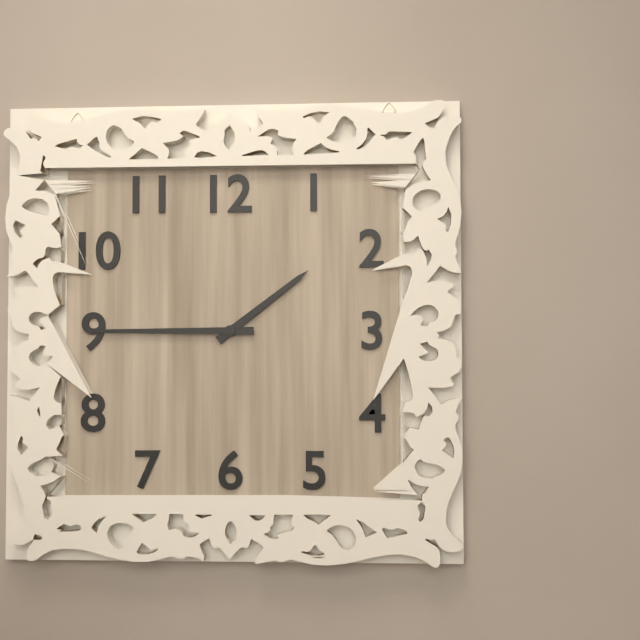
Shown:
1,45
